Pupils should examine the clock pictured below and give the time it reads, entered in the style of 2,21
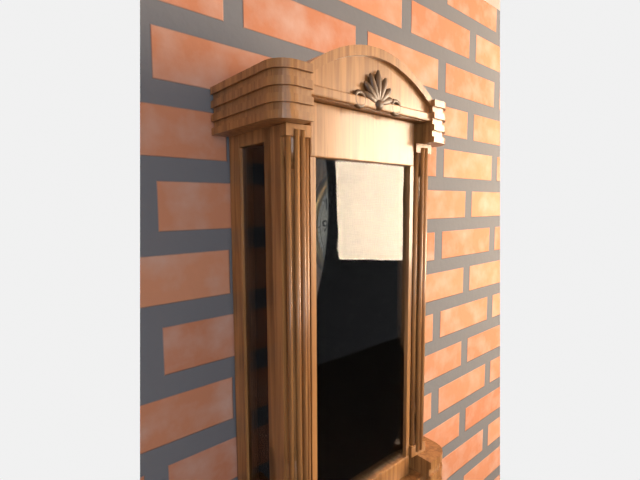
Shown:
12,04
